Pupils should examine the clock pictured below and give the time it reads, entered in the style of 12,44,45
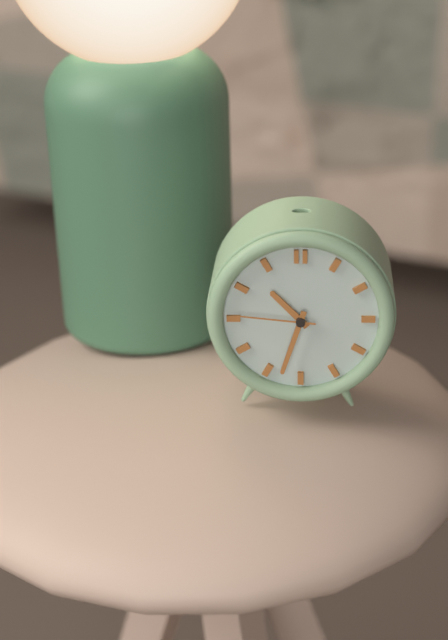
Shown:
10,33,46
